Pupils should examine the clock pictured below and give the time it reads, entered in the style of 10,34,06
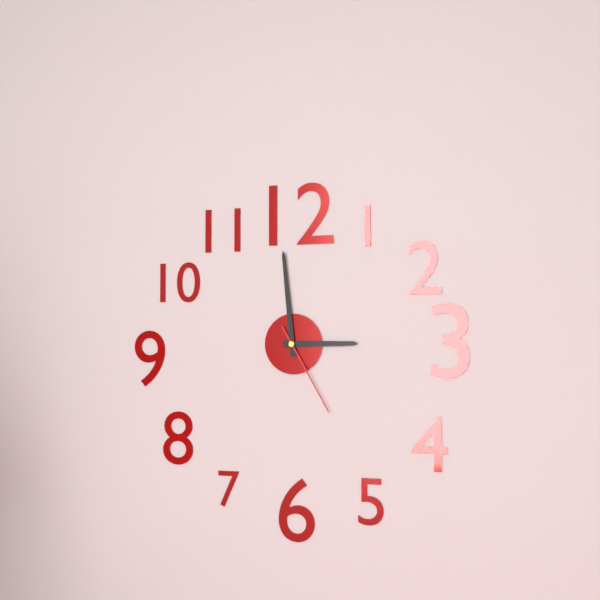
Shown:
2,59,25
